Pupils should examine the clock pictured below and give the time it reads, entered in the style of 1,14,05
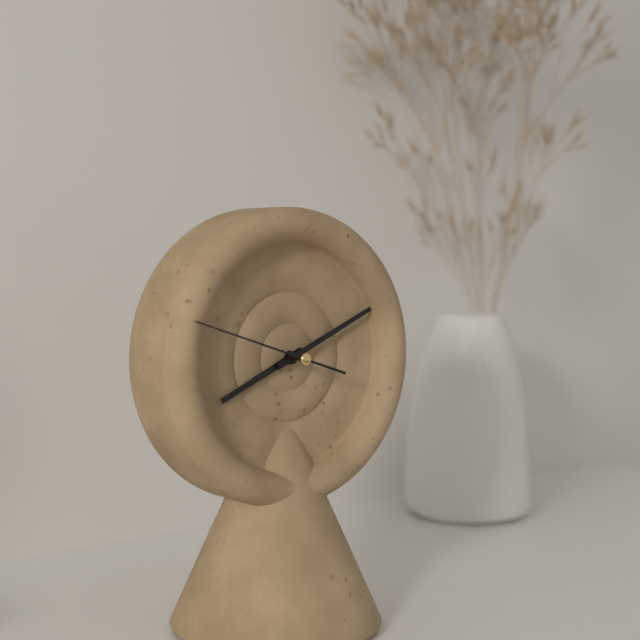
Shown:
8,11,48
